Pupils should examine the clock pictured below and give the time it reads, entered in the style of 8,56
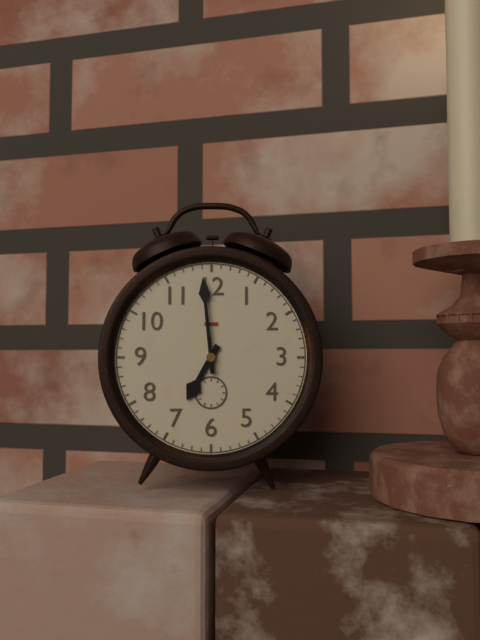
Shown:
6,59
